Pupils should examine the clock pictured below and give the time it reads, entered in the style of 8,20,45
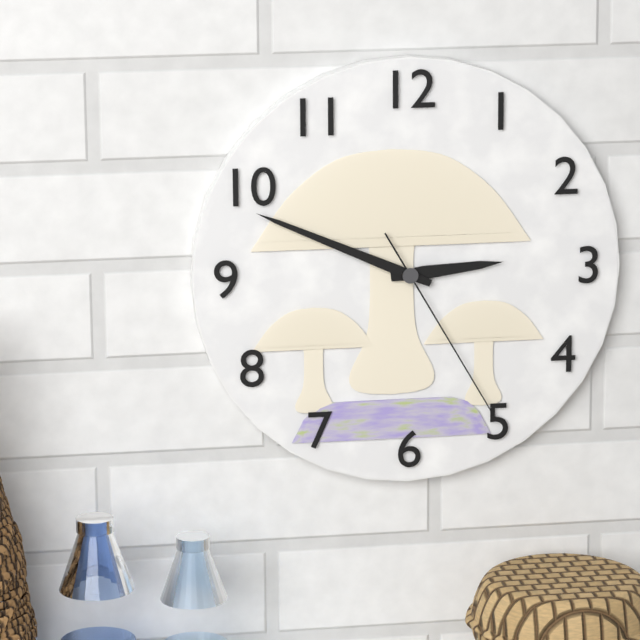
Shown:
2,49,25
